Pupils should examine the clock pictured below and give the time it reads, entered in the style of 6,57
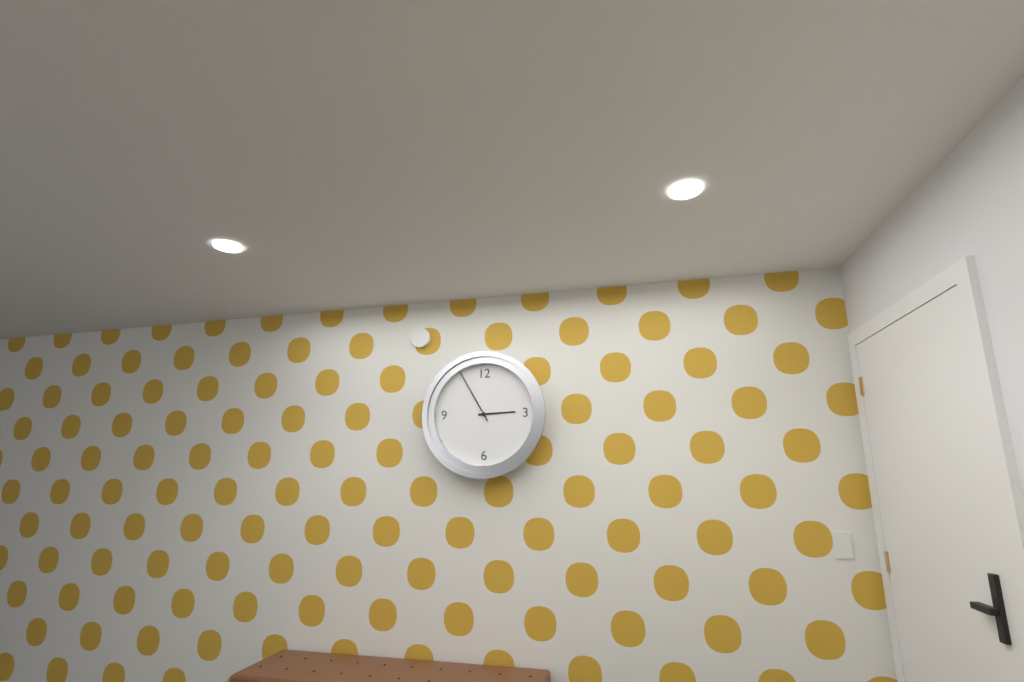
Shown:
2,55
